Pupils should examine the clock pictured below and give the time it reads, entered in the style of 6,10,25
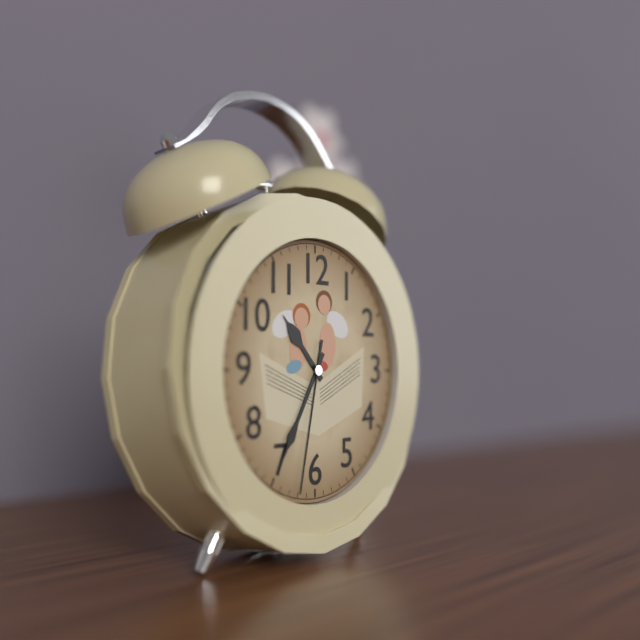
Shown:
10,35,32
